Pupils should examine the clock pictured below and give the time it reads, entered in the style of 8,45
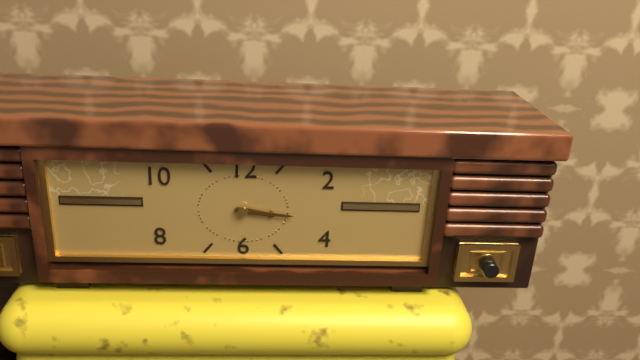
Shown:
3,16
